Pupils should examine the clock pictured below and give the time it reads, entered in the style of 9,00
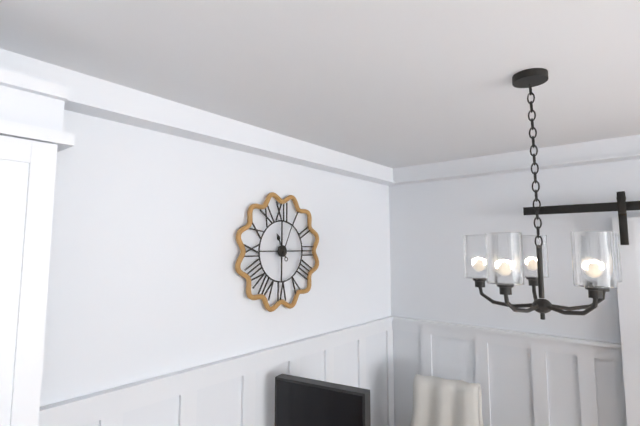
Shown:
11,04
